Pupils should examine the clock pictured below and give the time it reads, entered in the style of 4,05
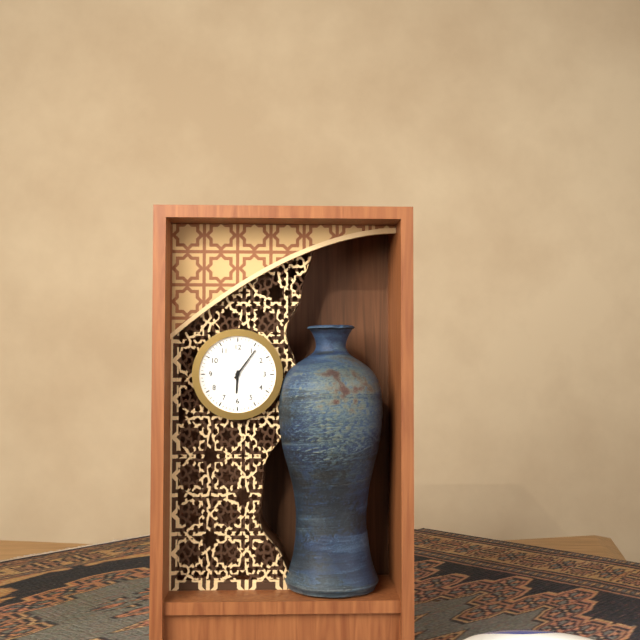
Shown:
6,06
